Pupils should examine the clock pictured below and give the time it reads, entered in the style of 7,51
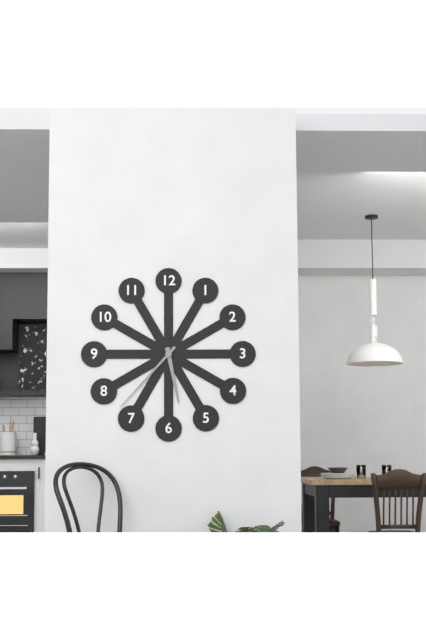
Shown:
5,37
